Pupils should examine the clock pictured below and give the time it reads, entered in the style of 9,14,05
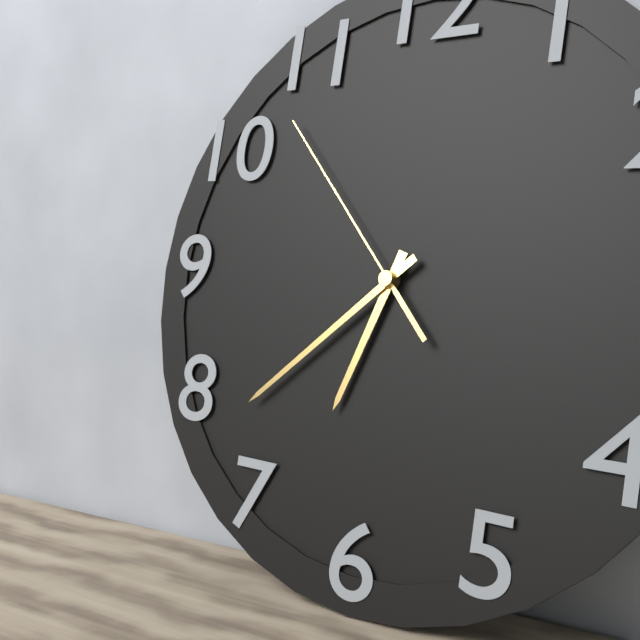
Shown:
6,38,53
